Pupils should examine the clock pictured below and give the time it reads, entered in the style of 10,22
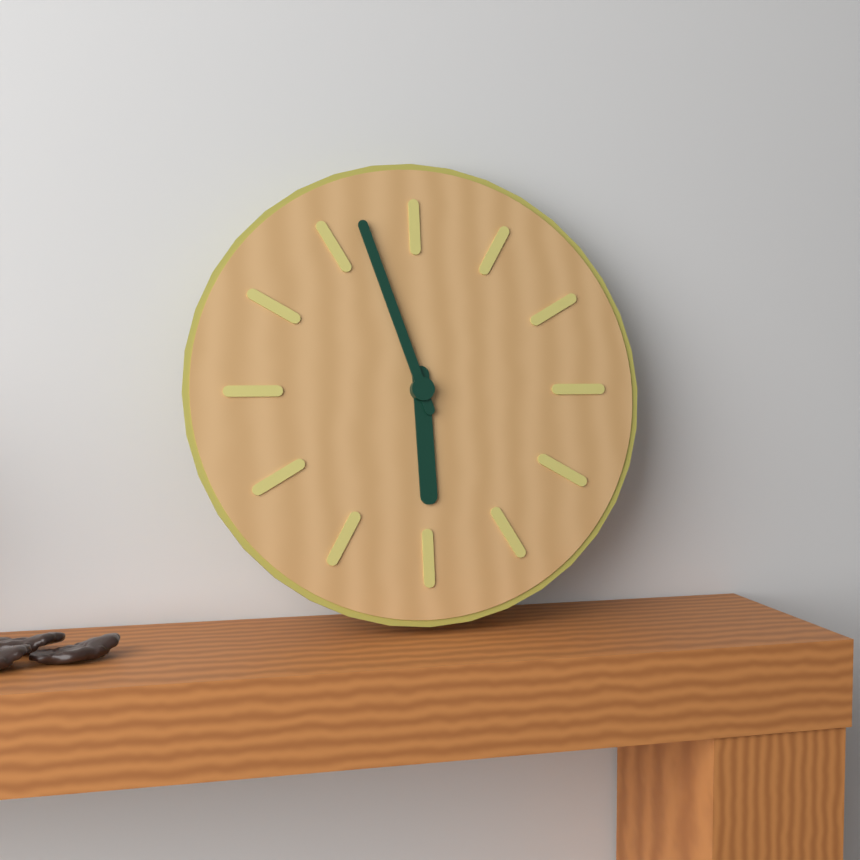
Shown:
5,57
